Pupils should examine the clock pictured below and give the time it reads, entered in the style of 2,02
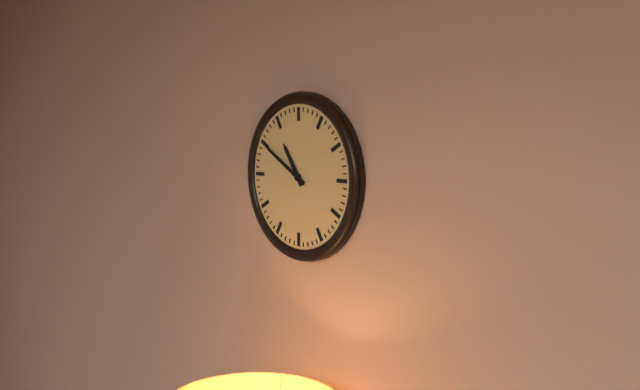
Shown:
10,50
